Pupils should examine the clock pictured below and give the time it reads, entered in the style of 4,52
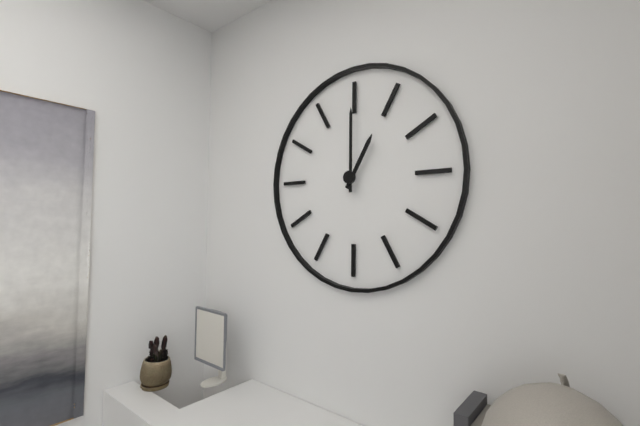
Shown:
1,00
